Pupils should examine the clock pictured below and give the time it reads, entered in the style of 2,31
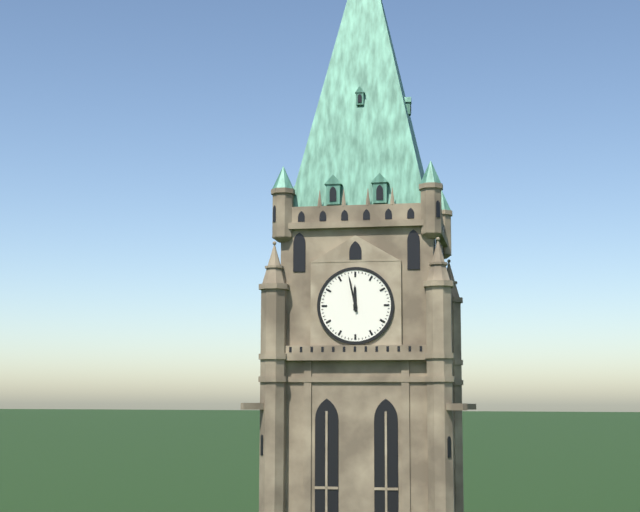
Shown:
11,58
